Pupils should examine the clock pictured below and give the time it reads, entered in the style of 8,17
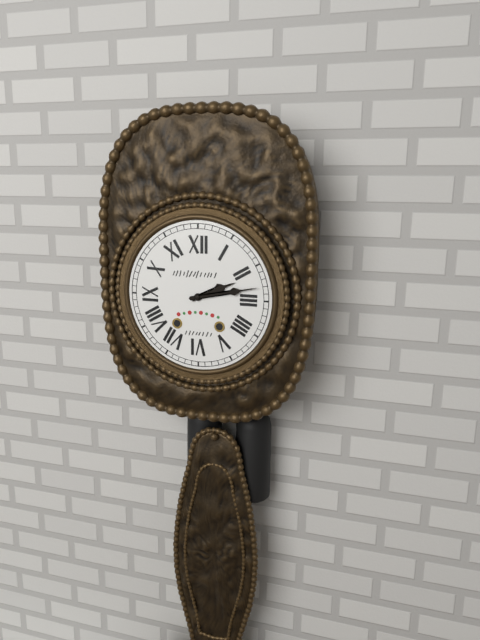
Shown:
2,13
